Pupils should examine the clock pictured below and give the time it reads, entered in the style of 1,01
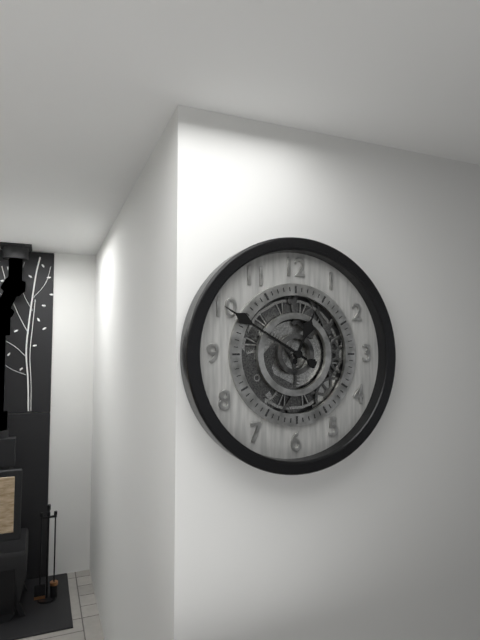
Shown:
12,50
